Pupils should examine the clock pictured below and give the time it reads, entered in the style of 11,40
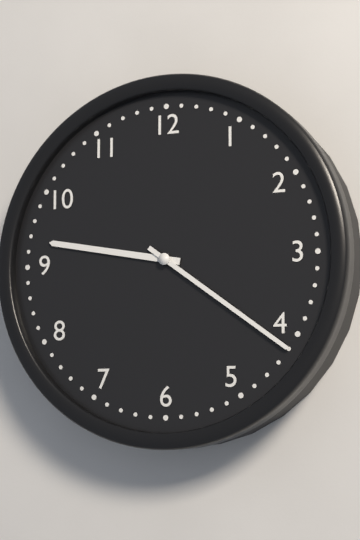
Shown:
9,21
